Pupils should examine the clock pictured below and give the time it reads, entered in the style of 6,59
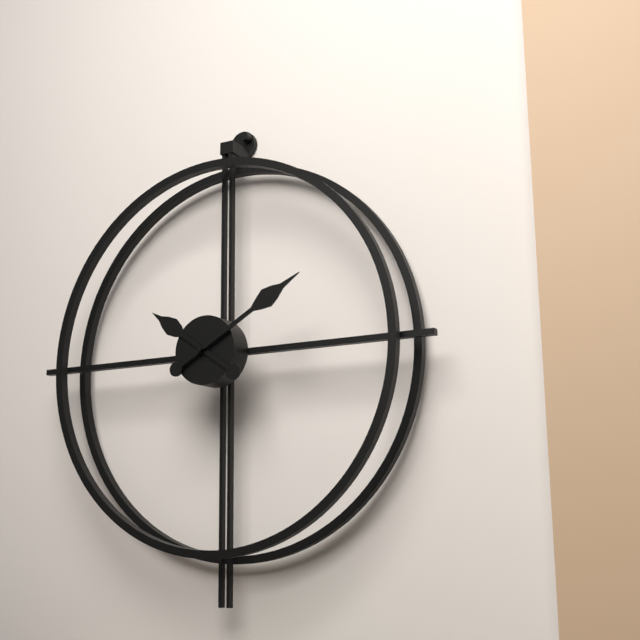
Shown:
10,10
